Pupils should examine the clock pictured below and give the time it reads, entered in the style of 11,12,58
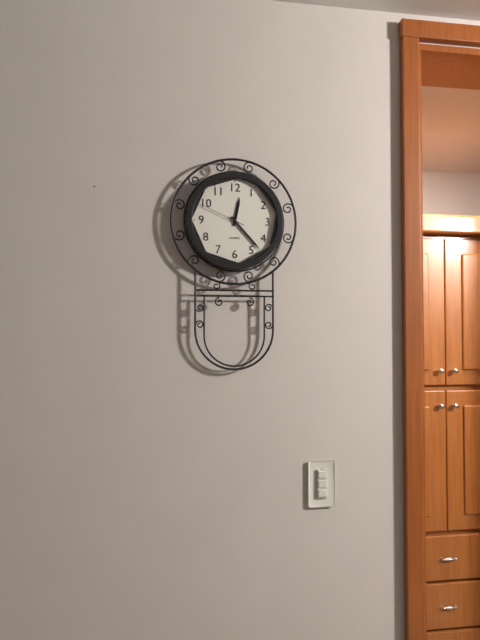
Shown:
12,23,49
